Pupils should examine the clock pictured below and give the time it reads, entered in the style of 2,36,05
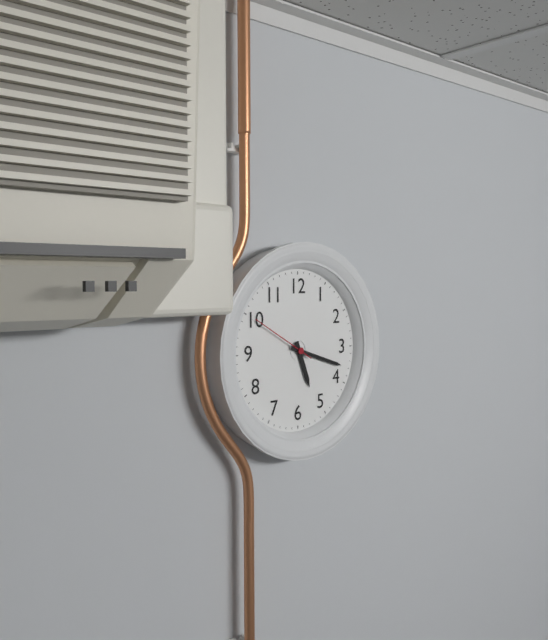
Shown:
5,18,50
